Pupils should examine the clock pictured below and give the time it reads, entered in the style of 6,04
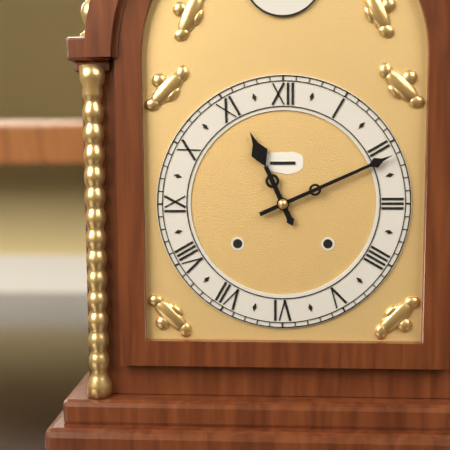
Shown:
11,11
